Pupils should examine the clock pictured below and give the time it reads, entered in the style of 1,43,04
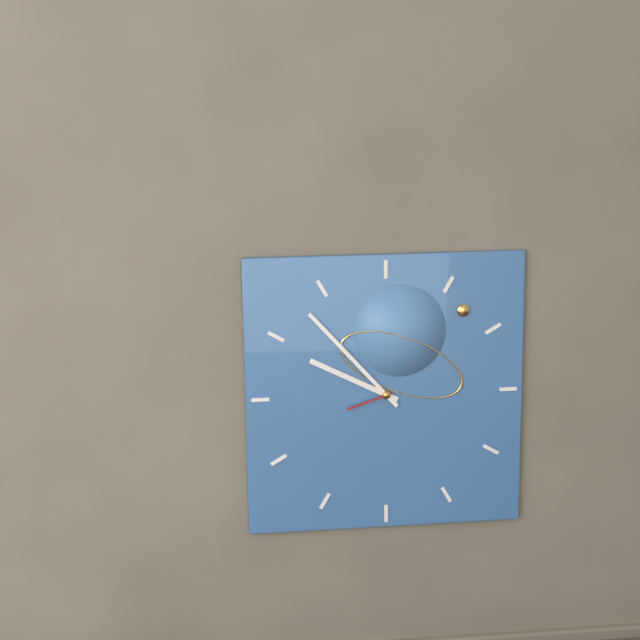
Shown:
9,53,42
